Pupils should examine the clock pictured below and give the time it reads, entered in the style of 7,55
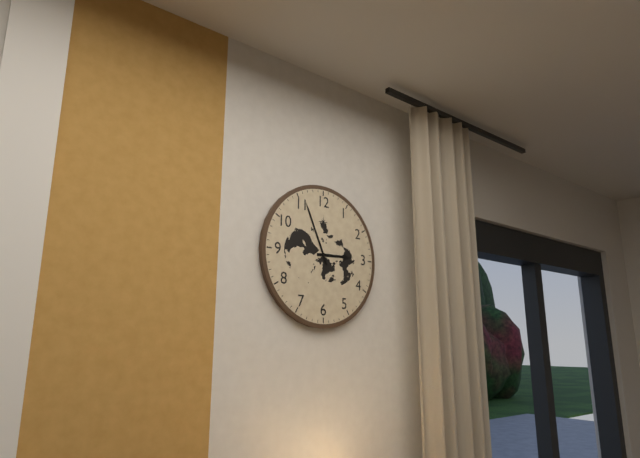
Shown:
2,56
